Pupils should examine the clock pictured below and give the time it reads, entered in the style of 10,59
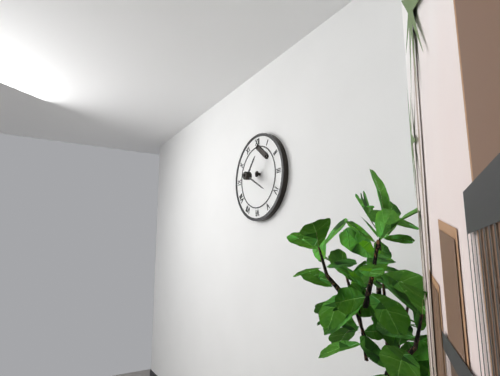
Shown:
1,20
